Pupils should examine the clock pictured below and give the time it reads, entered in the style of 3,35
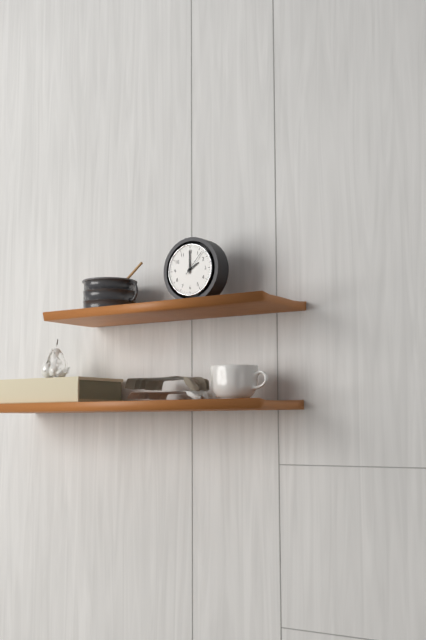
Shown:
2,00
